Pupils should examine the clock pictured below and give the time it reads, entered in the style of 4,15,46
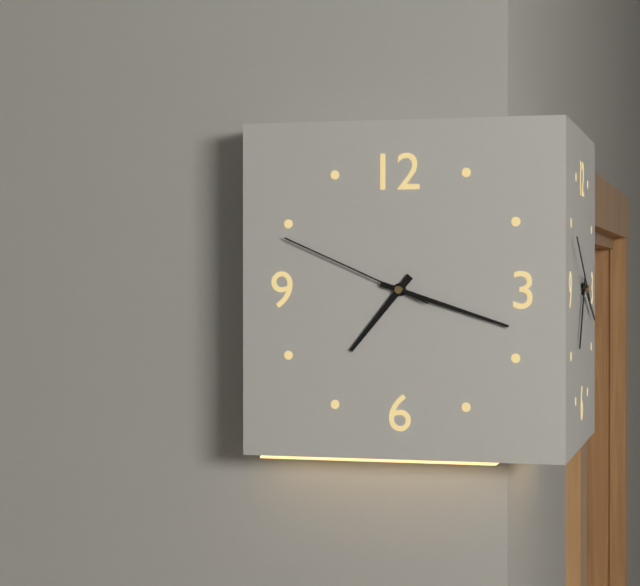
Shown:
7,18,49
